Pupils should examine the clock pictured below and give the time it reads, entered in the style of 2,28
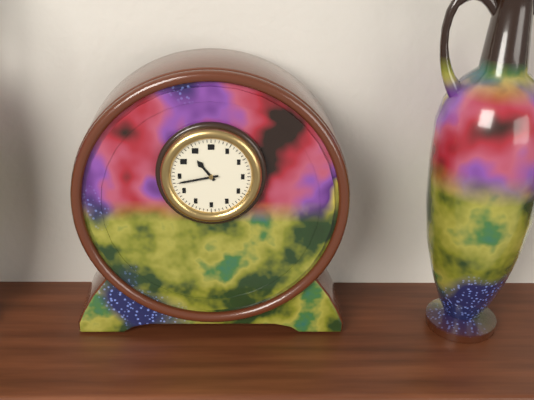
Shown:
10,43
